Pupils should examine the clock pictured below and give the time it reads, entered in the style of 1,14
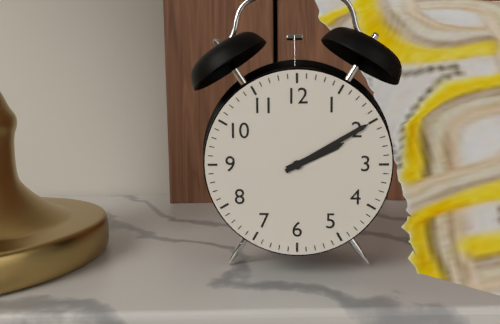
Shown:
2,10
